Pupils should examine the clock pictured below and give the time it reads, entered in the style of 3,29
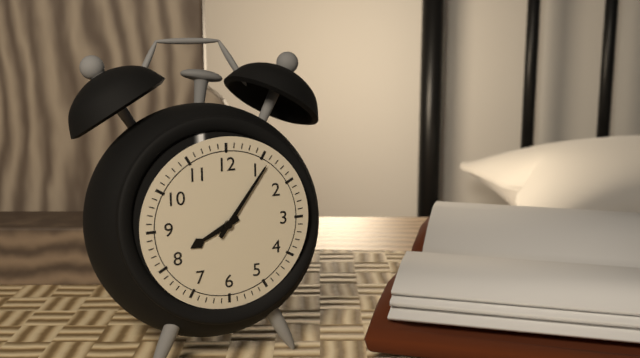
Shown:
8,06
